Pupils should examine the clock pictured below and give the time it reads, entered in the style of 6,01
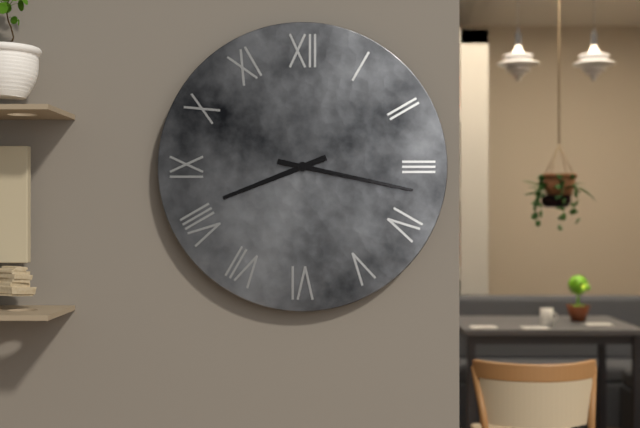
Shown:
8,17
